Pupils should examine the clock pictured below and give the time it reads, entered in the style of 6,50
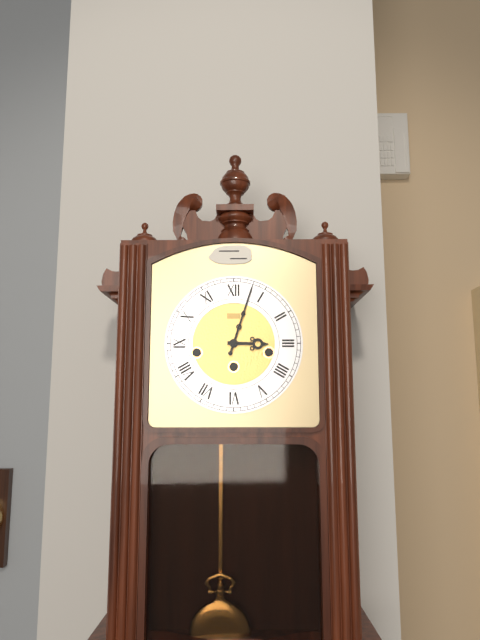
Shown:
3,03
